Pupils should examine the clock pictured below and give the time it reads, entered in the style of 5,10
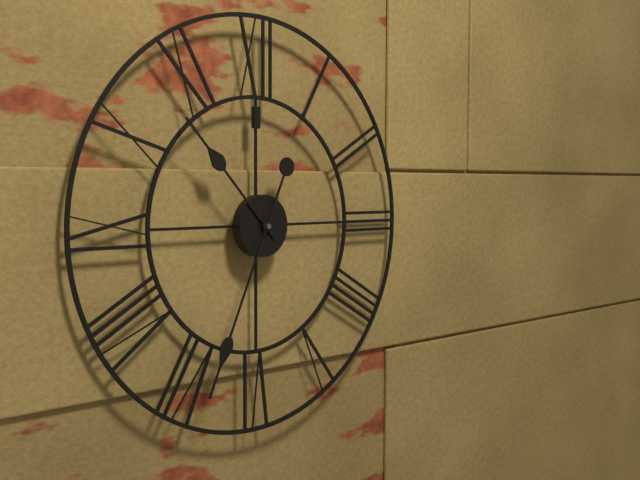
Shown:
10,34
